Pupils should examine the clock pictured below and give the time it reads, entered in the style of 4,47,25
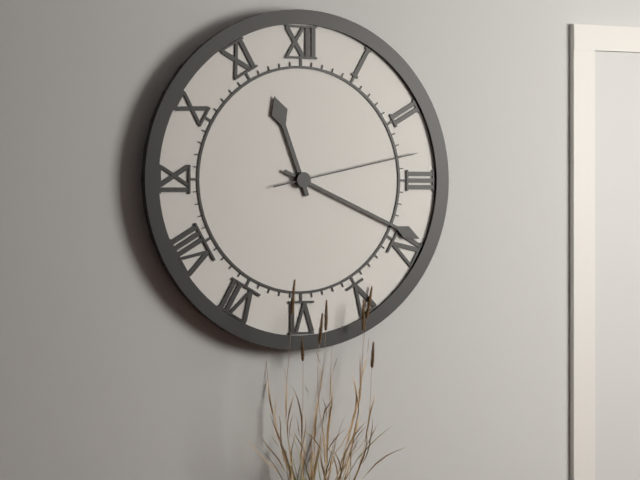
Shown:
11,19,13
